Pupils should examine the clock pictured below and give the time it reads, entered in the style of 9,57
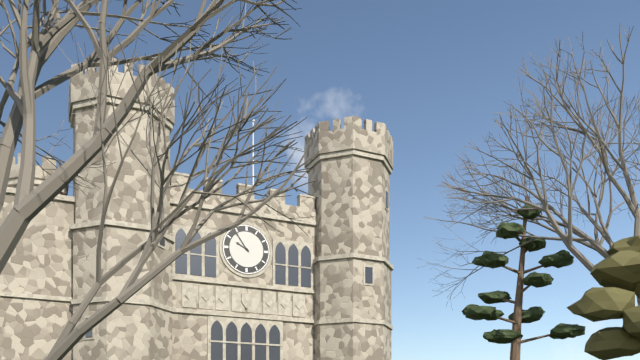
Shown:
9,54
